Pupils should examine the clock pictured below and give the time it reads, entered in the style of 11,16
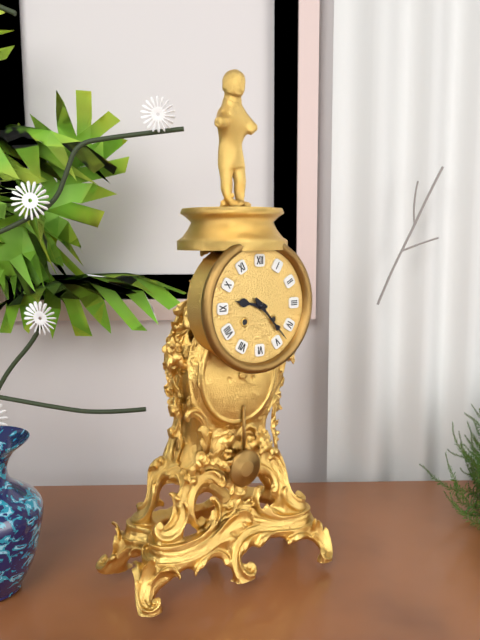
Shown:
9,23
